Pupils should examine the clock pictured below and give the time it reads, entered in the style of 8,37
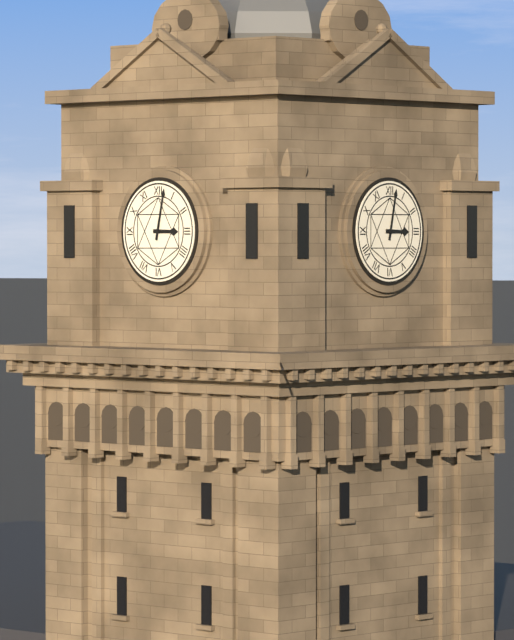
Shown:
3,02
